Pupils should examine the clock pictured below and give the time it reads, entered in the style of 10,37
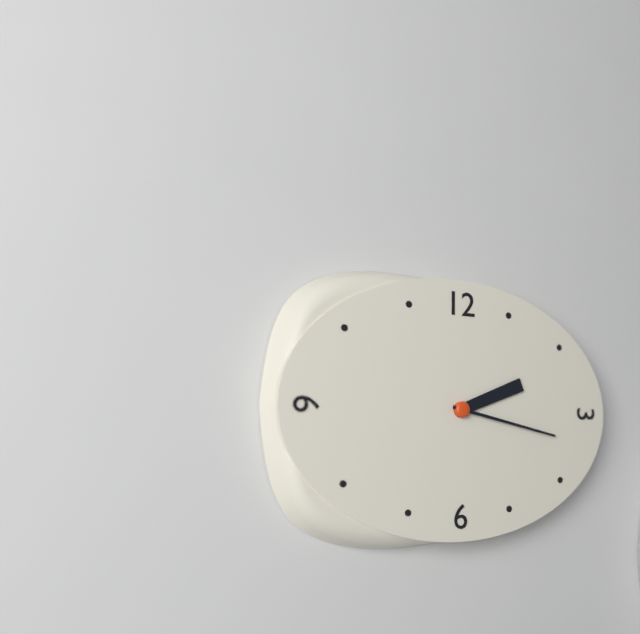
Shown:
2,17
